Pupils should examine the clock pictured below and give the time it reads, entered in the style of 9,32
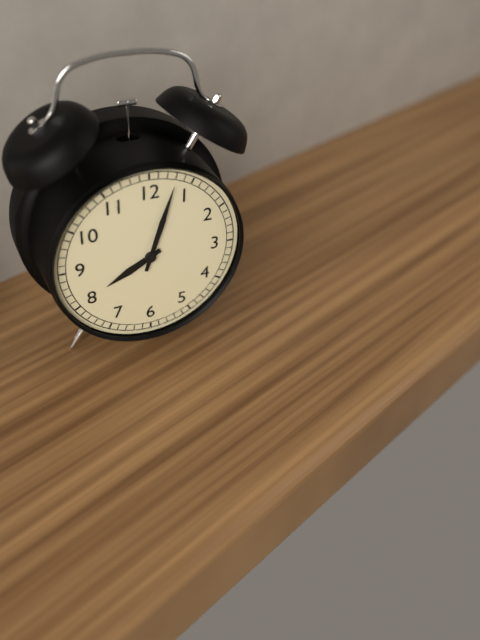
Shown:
8,03
